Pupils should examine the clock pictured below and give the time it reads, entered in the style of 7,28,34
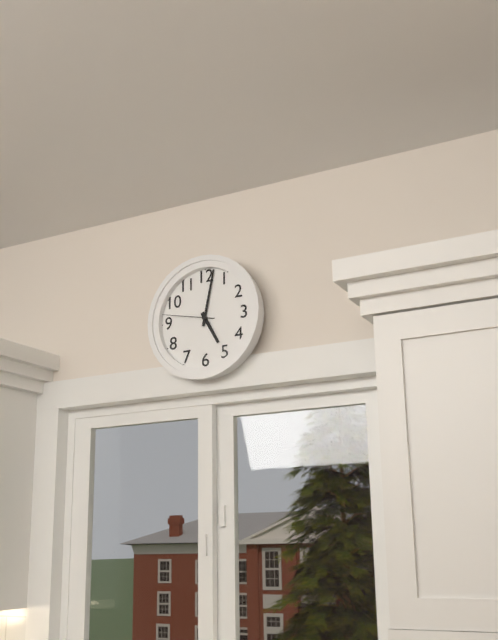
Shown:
5,02,47
